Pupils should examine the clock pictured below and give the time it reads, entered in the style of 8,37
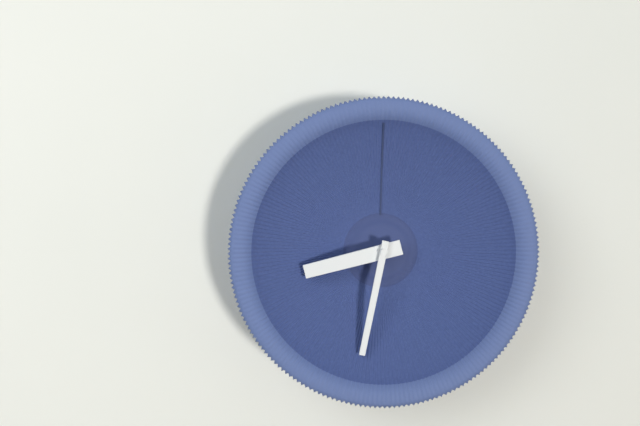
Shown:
8,32
